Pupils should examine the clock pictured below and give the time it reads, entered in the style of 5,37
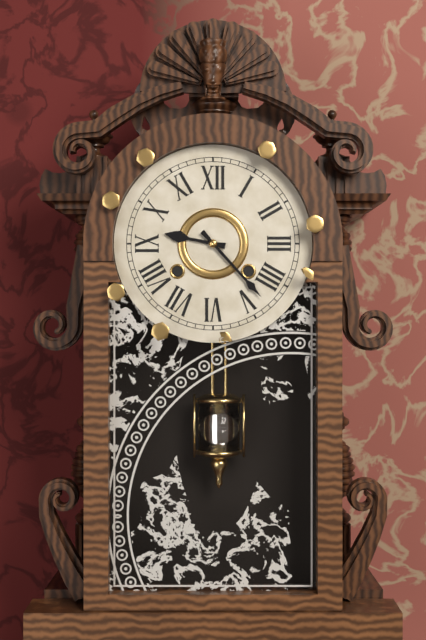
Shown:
9,23
